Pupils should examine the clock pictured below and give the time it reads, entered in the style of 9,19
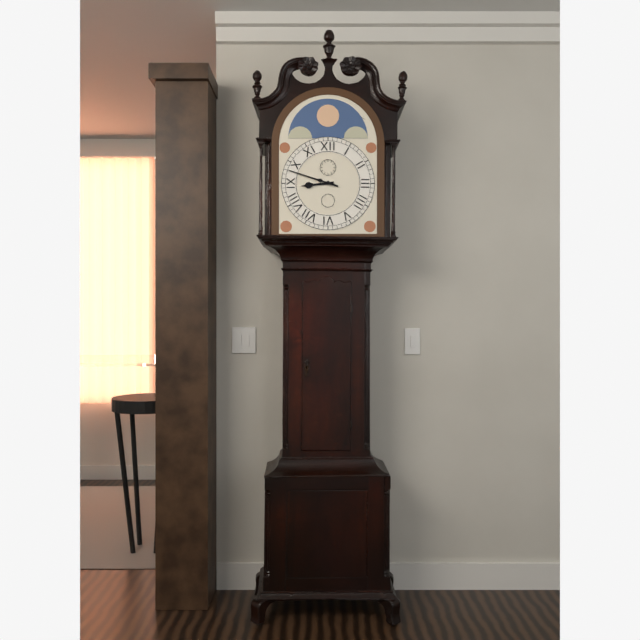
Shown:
8,48
